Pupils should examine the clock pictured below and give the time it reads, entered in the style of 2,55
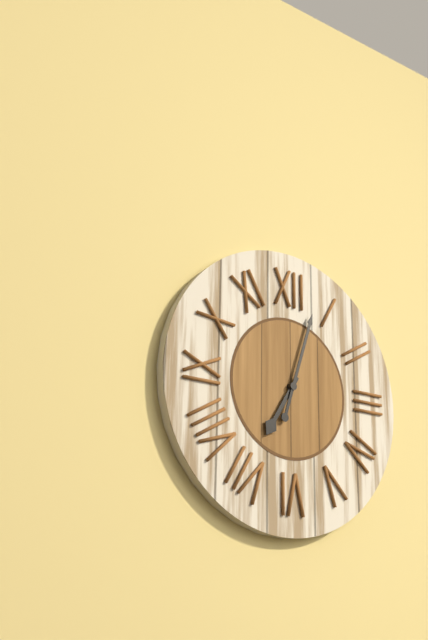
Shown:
7,03
